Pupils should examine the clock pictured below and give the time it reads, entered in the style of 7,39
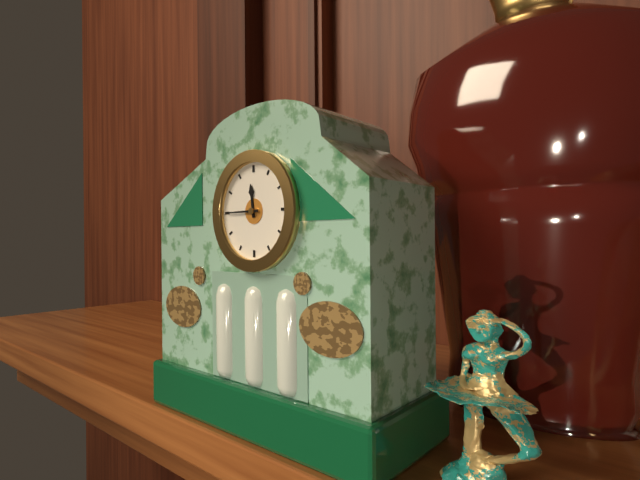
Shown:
11,45
